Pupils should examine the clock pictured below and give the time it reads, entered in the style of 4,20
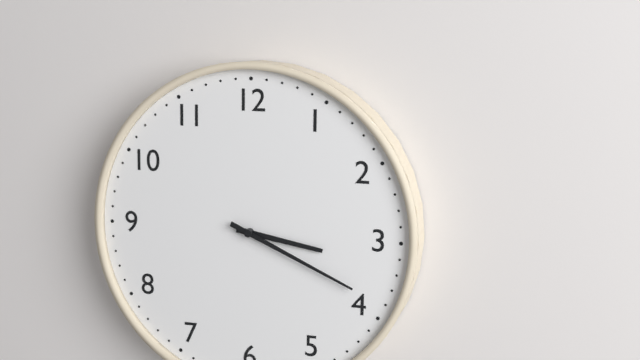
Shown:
3,19
